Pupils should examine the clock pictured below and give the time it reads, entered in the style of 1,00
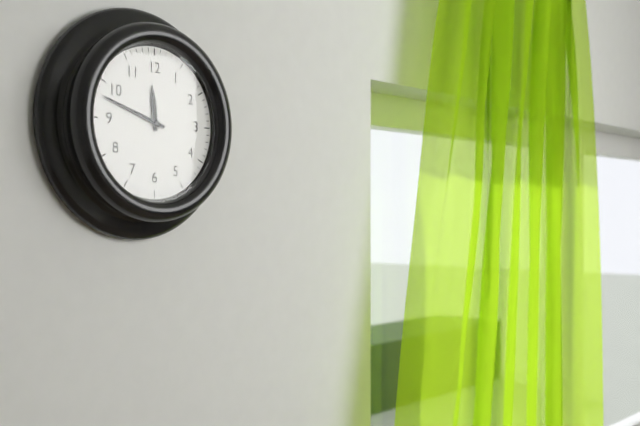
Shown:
11,48
